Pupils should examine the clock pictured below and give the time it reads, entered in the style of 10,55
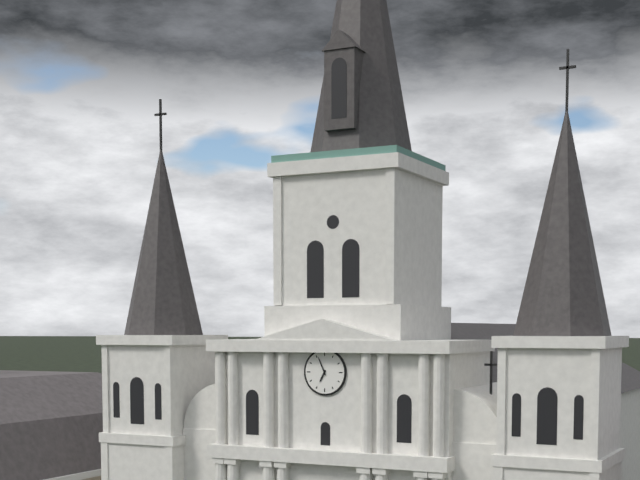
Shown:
6,56
